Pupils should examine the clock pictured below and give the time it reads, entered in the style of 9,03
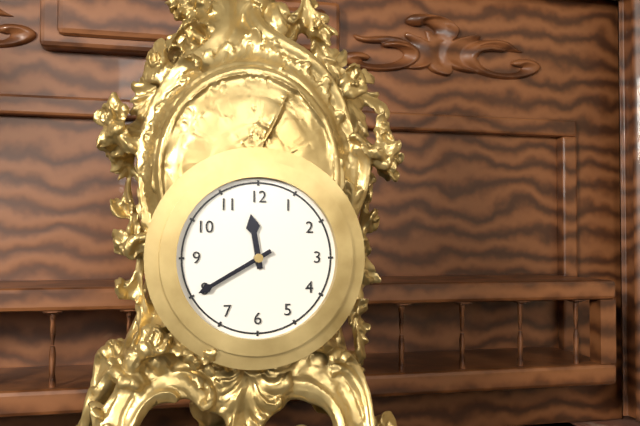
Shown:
11,40
